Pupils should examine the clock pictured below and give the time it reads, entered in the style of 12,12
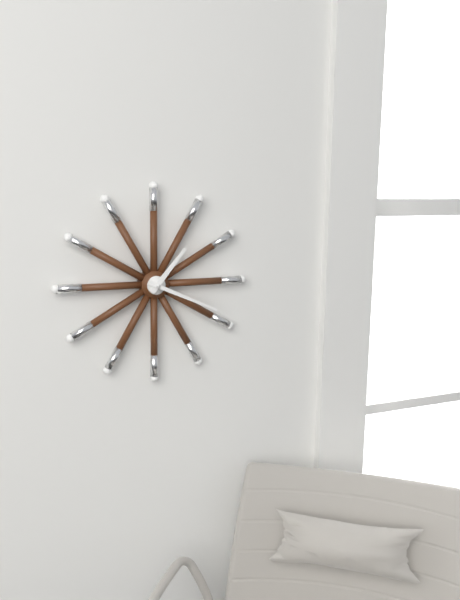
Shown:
1,19
